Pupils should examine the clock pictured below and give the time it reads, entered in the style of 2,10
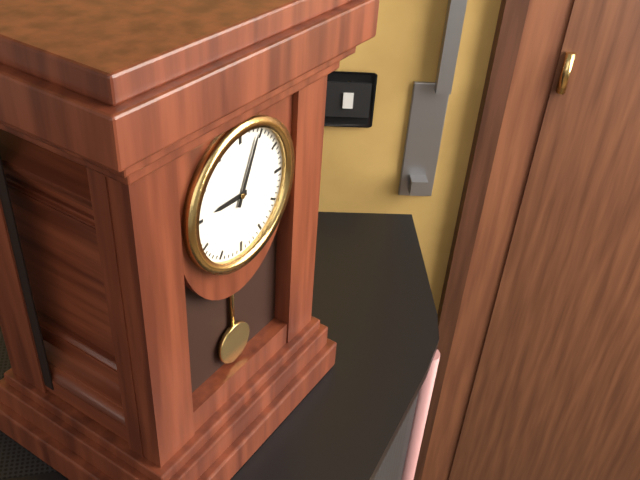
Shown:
9,04
